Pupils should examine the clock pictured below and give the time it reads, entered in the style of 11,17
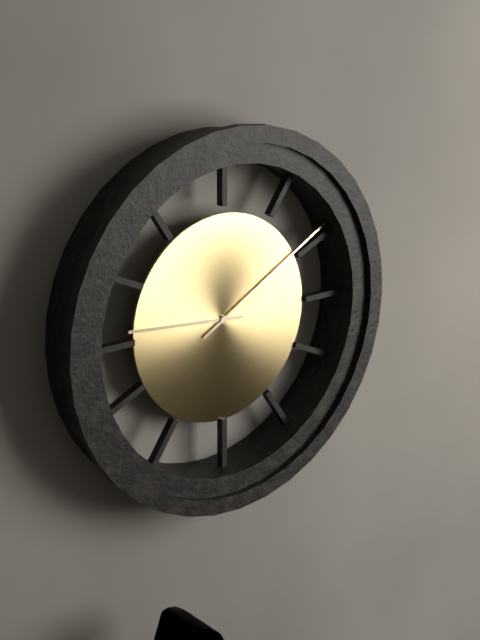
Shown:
9,10
